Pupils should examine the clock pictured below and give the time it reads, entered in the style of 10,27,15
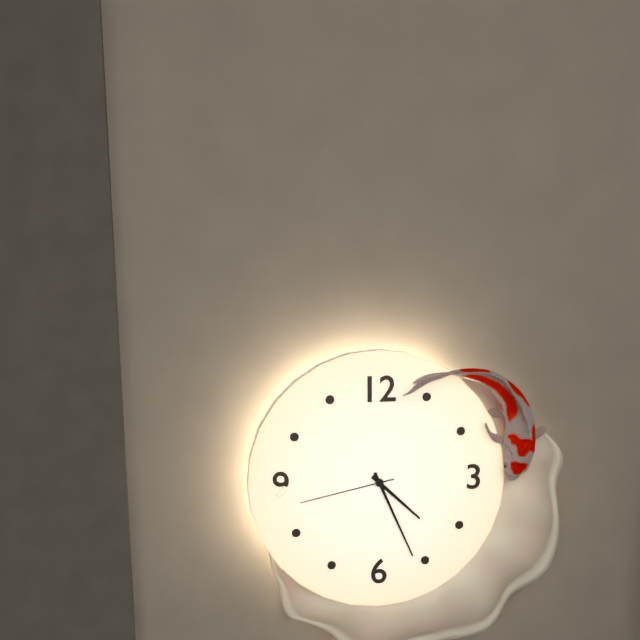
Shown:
4,26,43
